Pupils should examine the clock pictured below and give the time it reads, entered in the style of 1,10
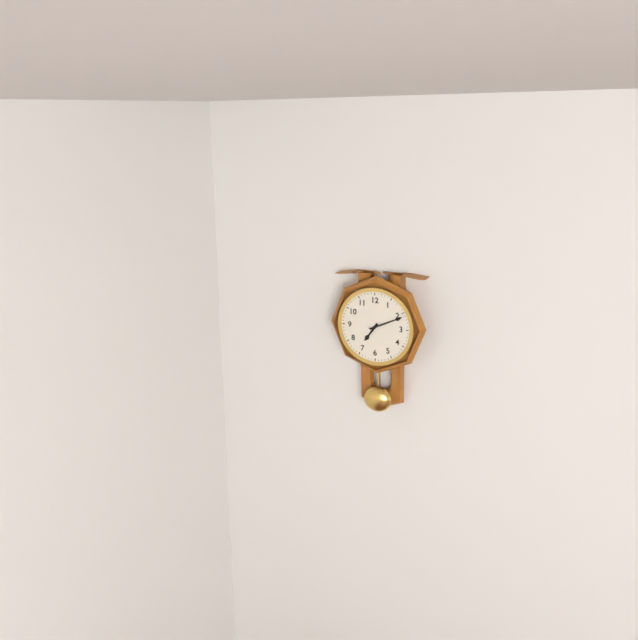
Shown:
7,11
